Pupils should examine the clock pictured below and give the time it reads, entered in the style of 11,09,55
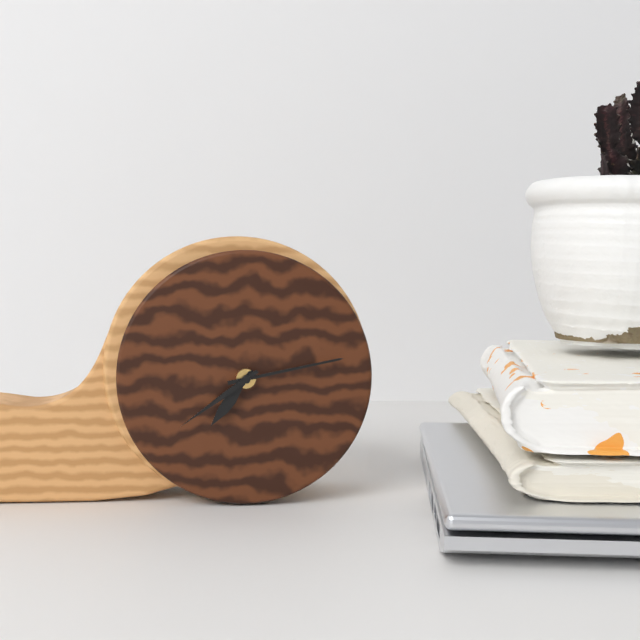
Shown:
7,13,39
